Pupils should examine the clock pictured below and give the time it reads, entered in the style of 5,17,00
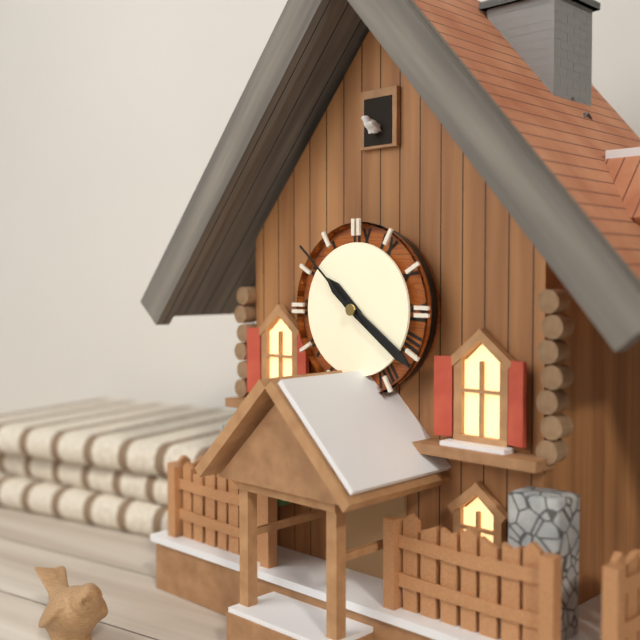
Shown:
10,21,52
